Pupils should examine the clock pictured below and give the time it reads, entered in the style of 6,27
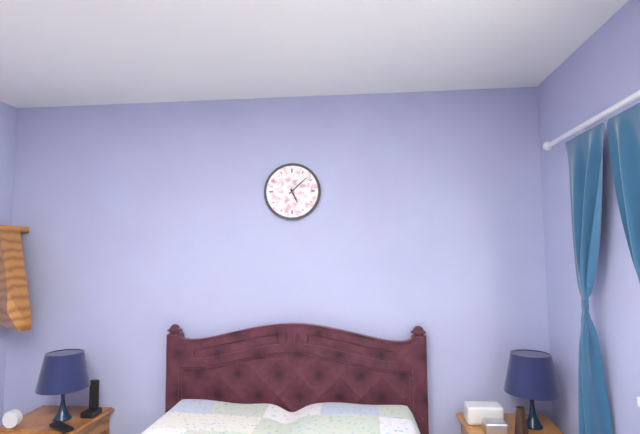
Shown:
5,08
